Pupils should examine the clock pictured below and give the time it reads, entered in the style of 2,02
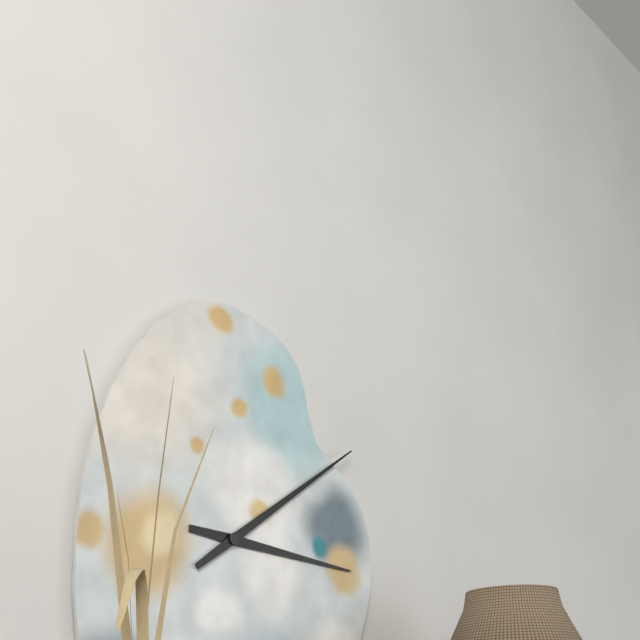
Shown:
3,09
